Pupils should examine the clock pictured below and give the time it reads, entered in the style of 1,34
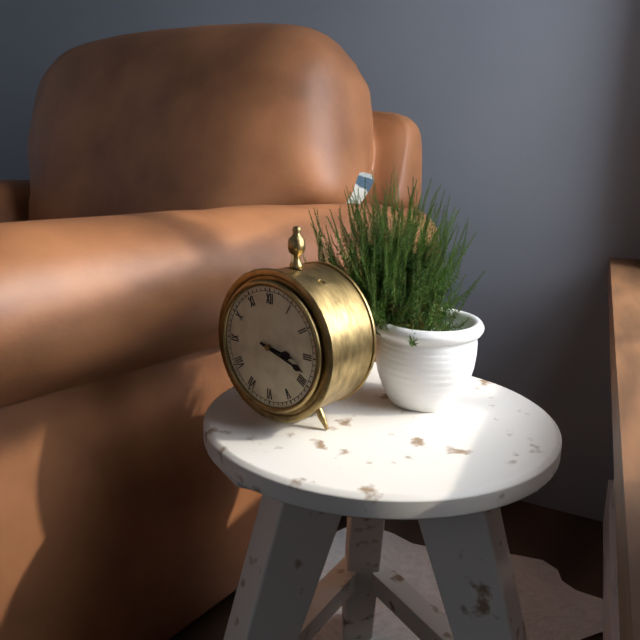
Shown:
3,18
